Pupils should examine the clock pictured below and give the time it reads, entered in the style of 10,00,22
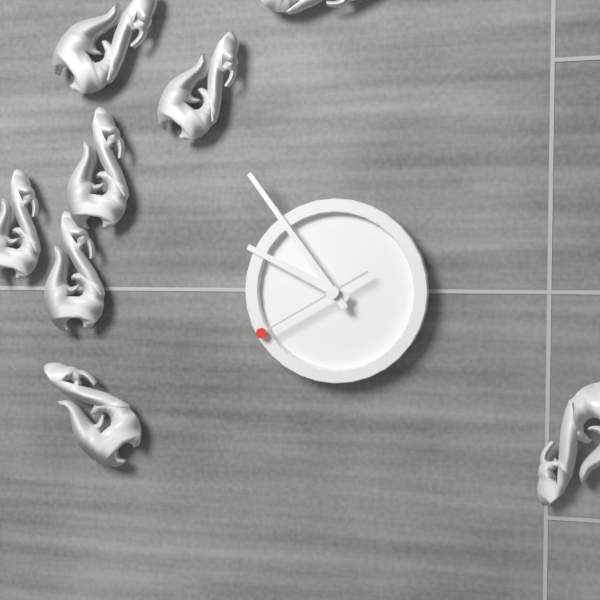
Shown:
9,54,40
